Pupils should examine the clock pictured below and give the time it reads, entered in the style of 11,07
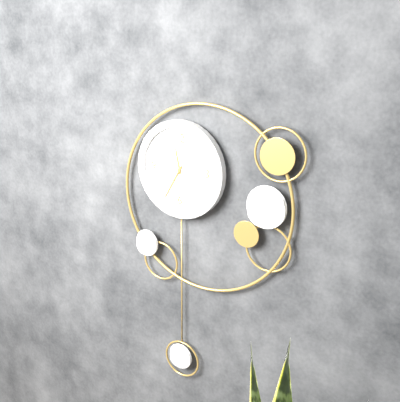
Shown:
11,35
